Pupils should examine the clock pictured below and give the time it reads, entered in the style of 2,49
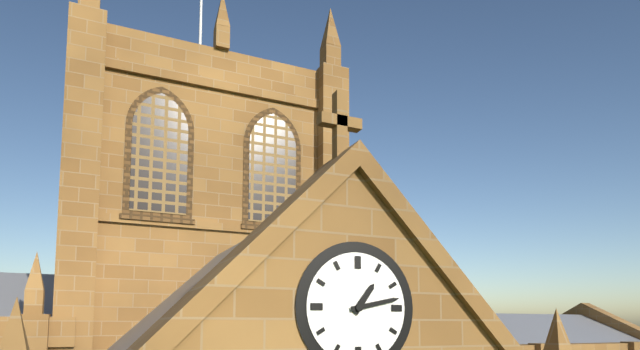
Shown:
1,13
